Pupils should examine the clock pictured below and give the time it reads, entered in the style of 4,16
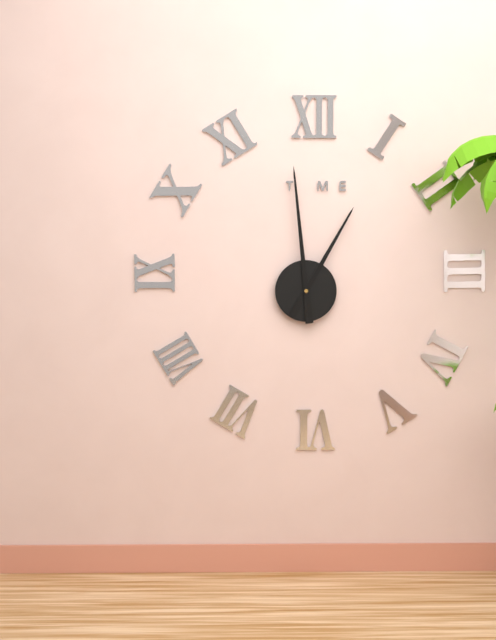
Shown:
12,59
